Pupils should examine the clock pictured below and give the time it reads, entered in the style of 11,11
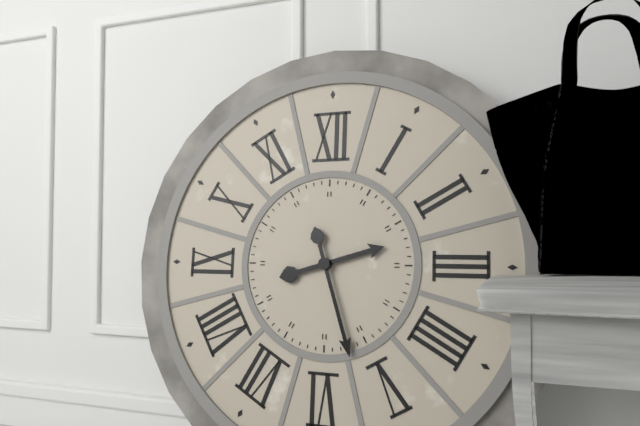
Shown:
2,27
